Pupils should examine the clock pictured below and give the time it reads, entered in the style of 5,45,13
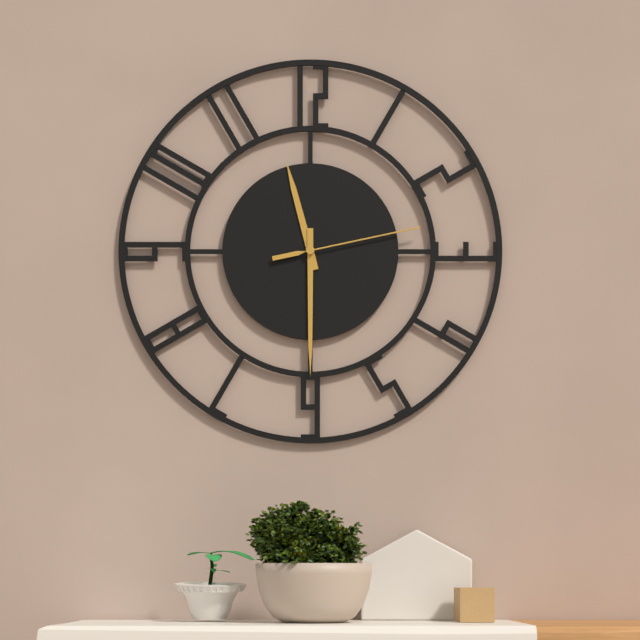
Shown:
11,30,13
